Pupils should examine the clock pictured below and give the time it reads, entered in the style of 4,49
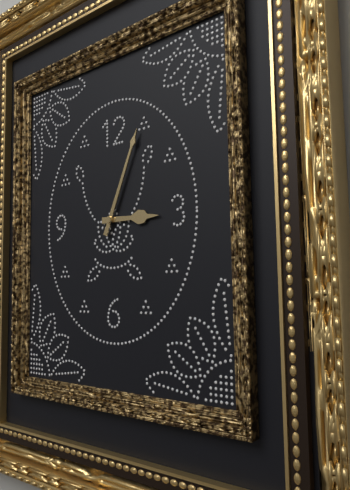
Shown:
3,04
